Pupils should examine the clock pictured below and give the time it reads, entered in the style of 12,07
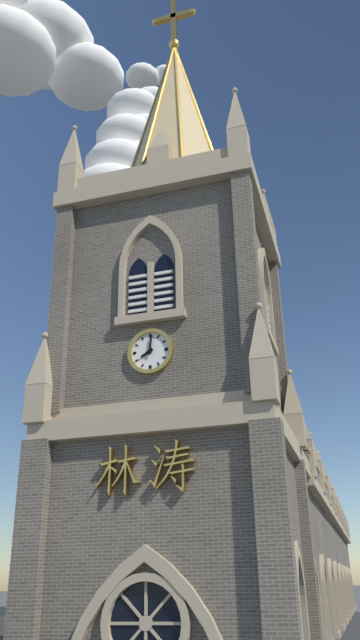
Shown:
8,01
